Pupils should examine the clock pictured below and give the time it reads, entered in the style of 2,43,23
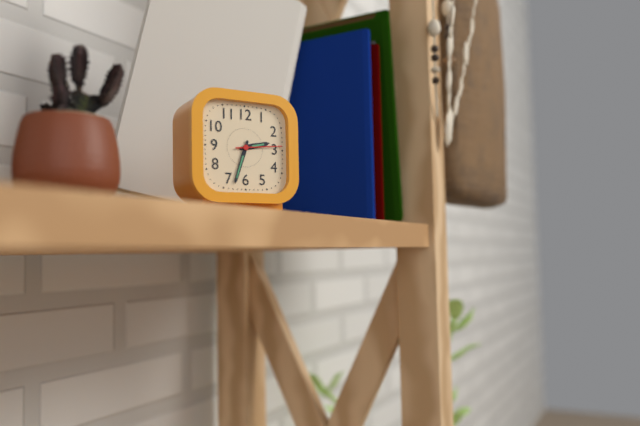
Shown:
2,33,14
